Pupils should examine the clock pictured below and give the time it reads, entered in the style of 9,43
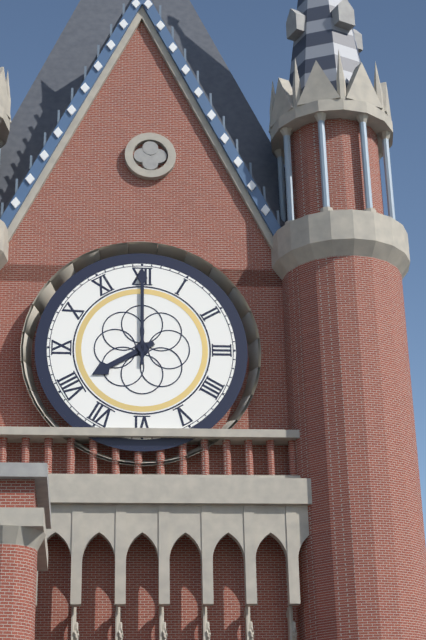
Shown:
8,00
